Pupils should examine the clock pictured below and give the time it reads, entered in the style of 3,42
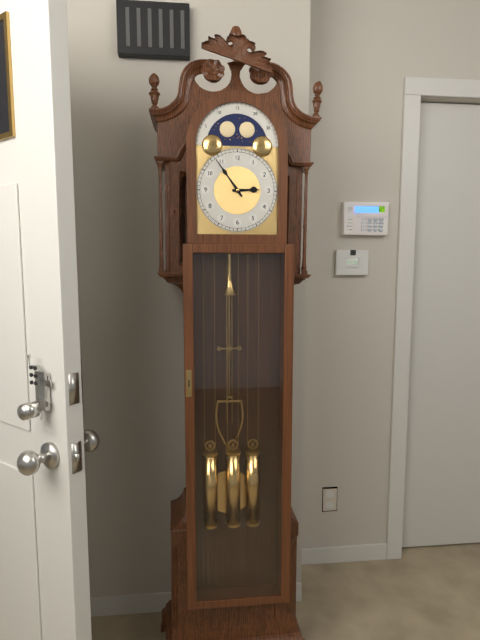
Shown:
2,54
